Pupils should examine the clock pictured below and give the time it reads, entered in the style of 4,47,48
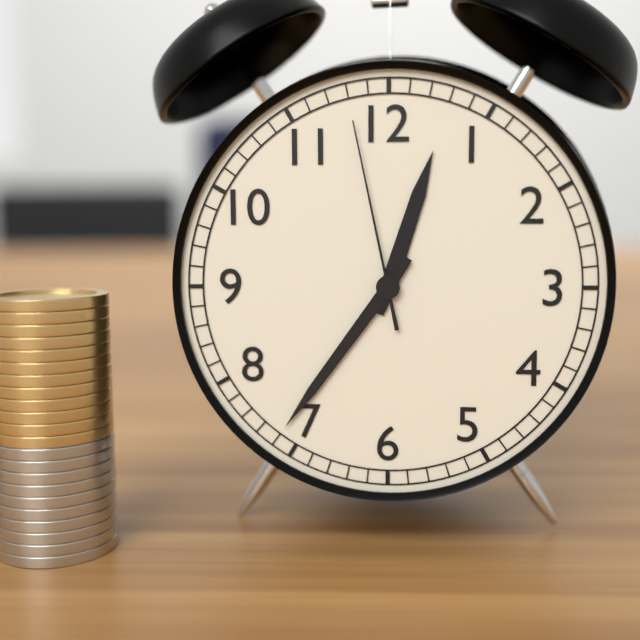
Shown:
12,36,58
